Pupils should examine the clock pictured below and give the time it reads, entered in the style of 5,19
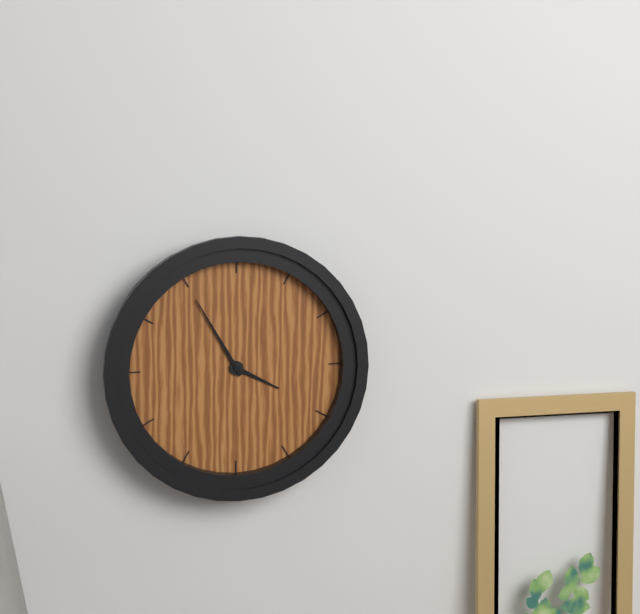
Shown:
3,55
